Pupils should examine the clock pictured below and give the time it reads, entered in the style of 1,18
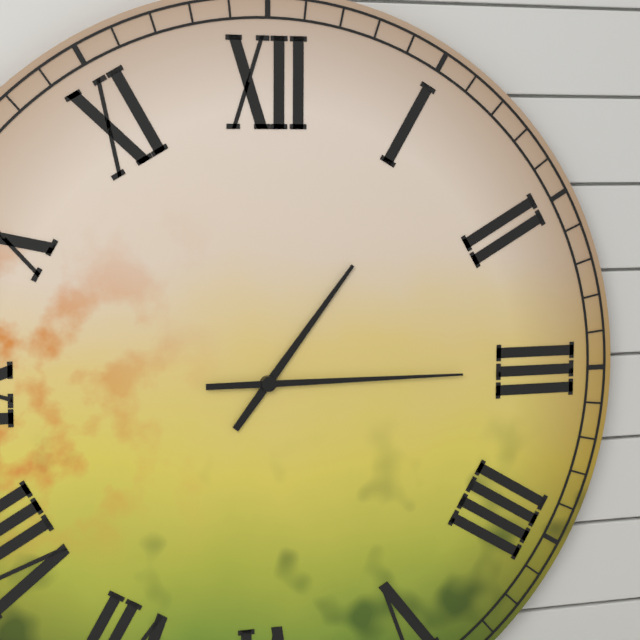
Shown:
1,15
